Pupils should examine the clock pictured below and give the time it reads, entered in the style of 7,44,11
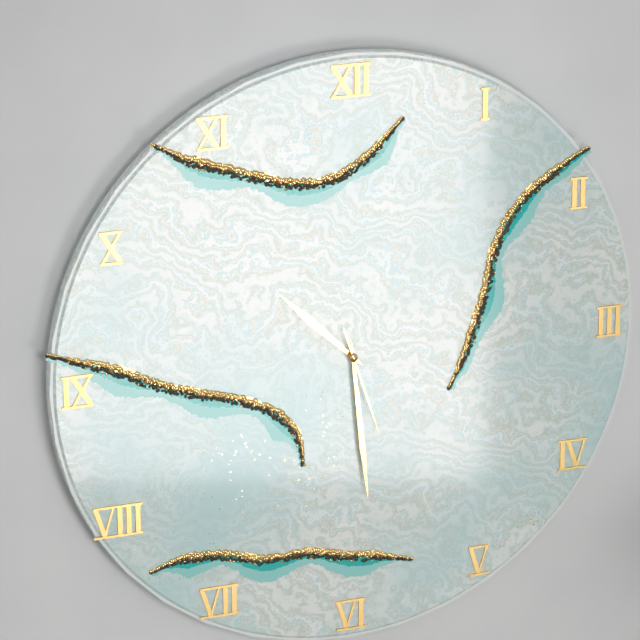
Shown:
10,29,27
